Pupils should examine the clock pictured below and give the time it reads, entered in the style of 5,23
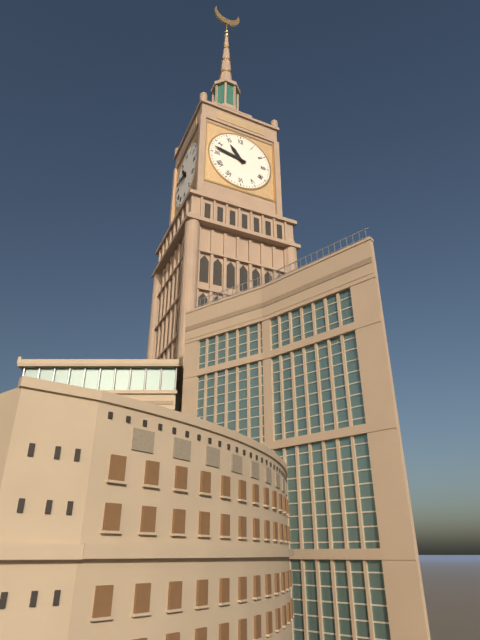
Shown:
10,47
